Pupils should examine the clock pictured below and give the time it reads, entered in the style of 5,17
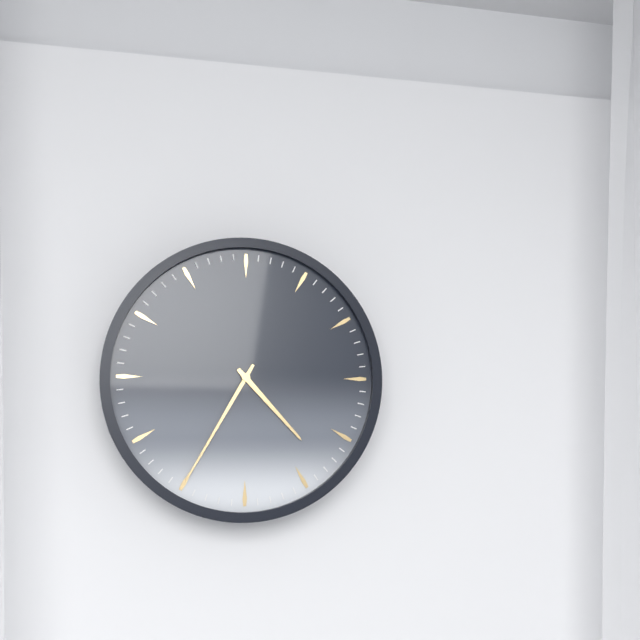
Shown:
4,35
